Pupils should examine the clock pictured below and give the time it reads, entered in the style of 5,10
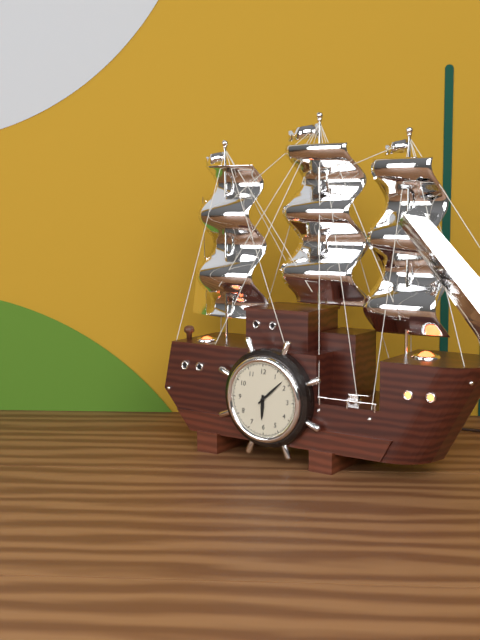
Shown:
6,08
